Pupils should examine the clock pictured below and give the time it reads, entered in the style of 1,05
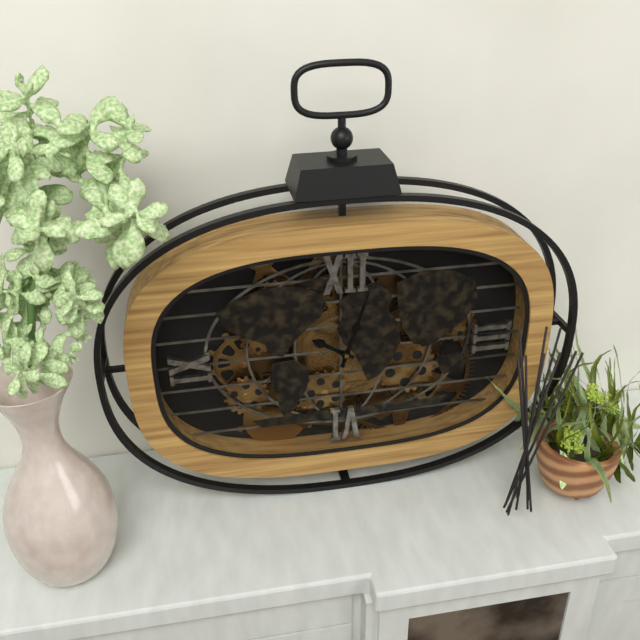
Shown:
10,03
